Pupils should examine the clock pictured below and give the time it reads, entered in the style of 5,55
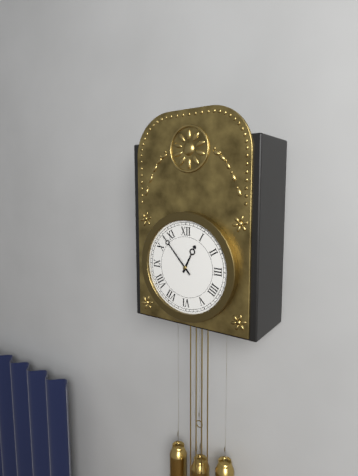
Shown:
12,53
